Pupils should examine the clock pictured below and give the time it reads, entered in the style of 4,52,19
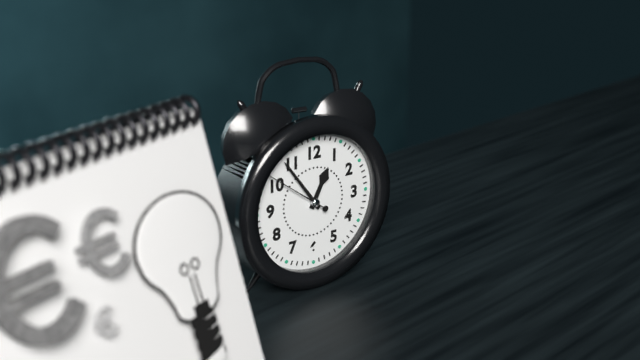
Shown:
12,54,51
